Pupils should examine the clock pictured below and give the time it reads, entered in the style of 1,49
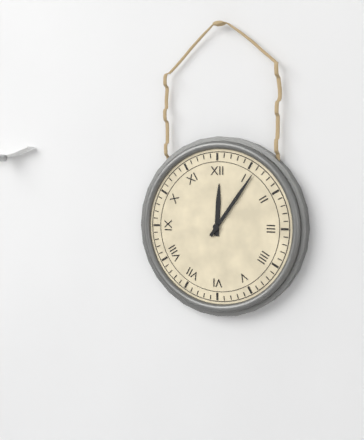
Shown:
12,06
